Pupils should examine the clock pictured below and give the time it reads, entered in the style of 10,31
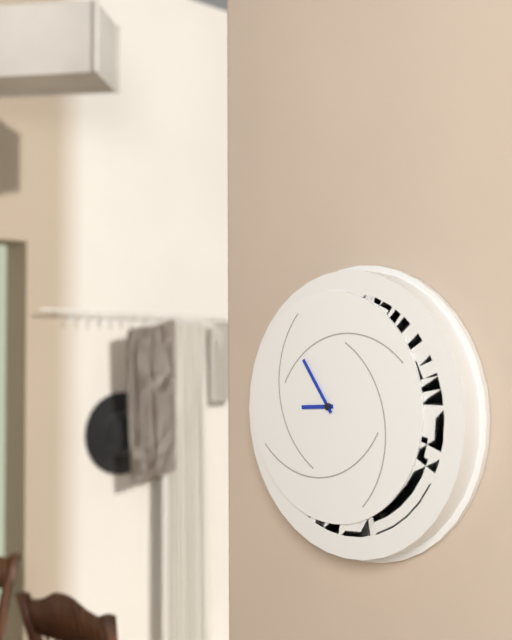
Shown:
8,54
